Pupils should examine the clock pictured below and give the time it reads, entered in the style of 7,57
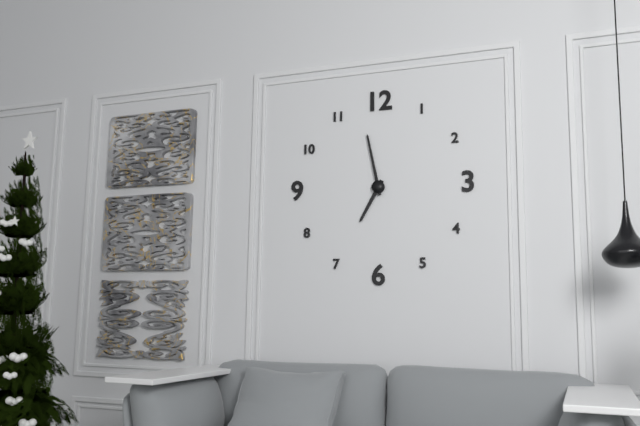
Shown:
6,58
